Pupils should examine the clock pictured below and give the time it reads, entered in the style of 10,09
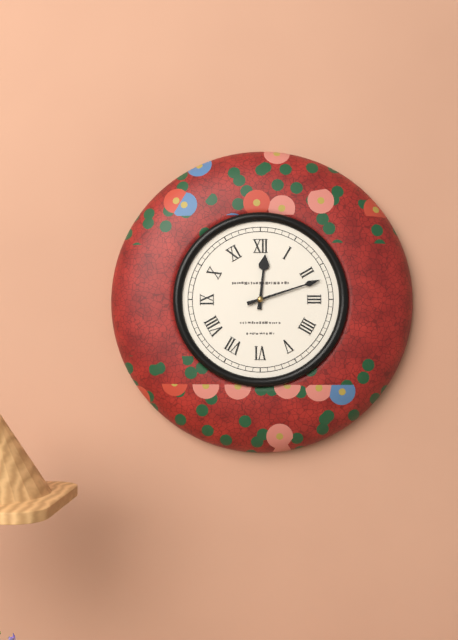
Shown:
12,12
